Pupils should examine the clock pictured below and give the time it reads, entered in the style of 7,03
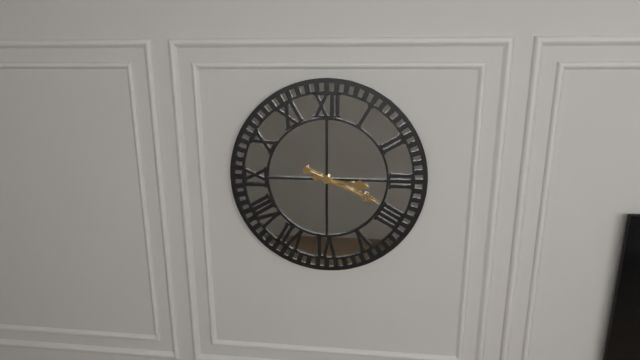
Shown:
3,19
